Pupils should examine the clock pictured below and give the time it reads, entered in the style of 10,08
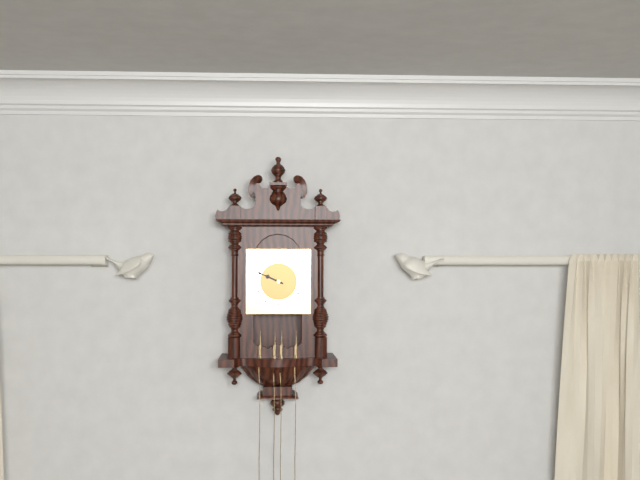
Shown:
9,49
